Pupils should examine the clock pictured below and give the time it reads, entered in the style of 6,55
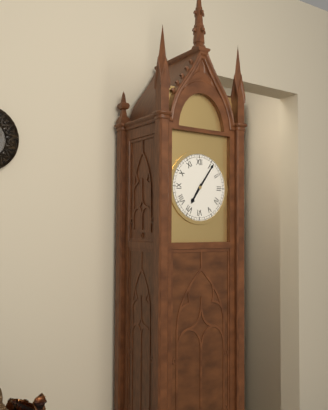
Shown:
7,06
